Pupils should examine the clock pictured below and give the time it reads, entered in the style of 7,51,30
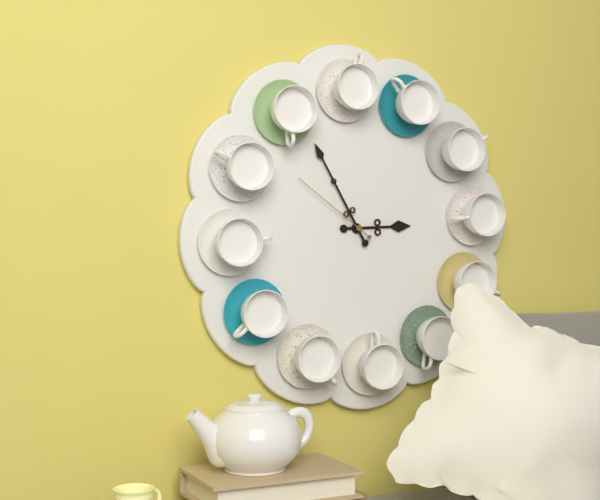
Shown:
2,55,51
